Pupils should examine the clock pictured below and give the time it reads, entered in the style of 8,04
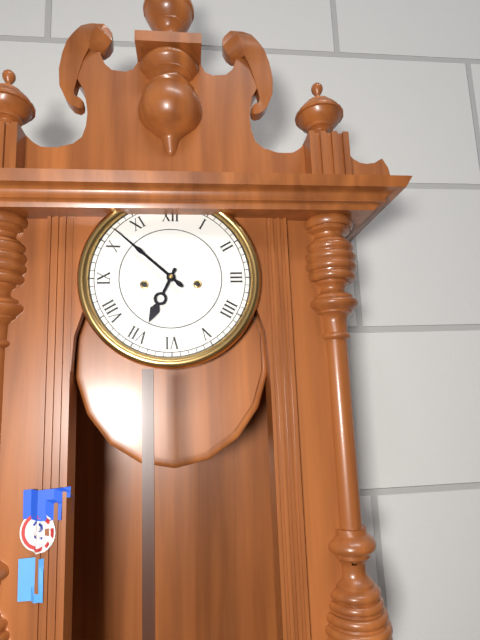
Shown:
6,52
